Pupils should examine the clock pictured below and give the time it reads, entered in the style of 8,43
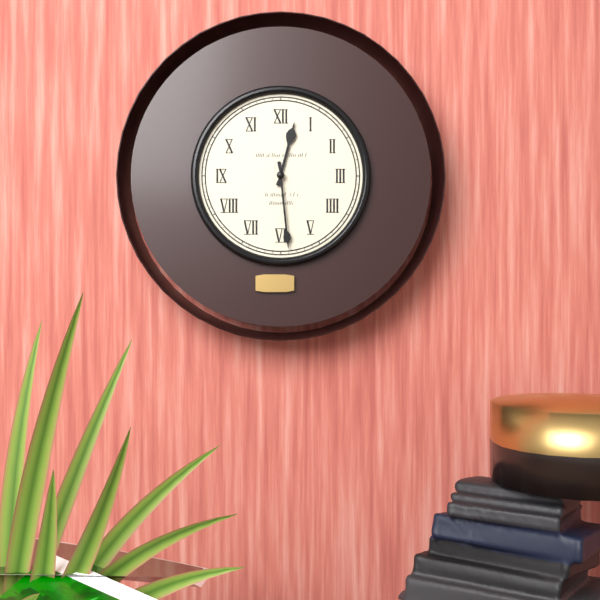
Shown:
12,29
